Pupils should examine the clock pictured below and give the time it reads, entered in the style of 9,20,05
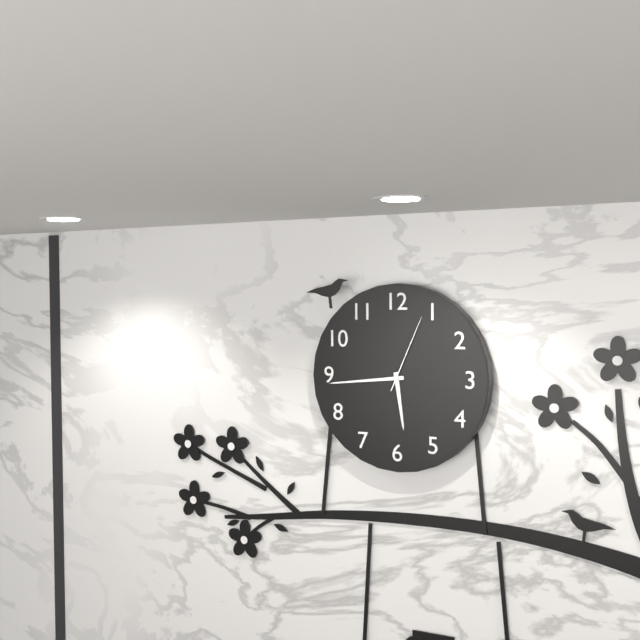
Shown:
5,44,04
